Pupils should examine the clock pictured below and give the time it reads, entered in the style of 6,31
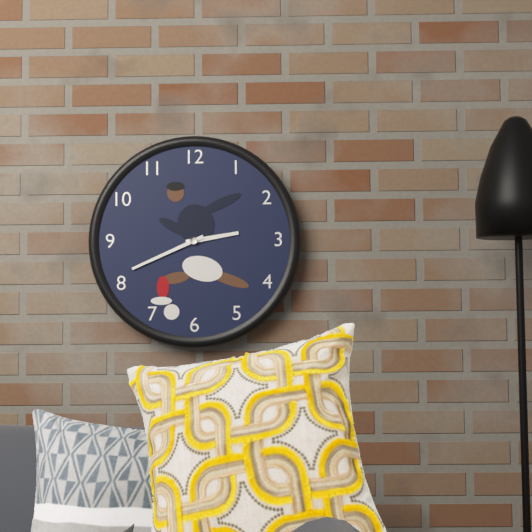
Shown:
2,41
